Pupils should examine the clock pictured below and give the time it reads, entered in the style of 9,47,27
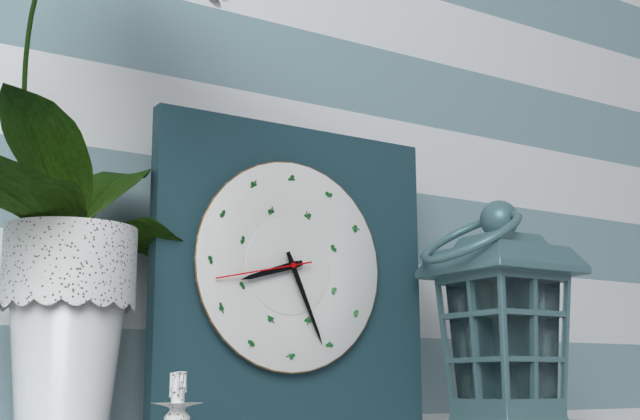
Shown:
8,26,43
